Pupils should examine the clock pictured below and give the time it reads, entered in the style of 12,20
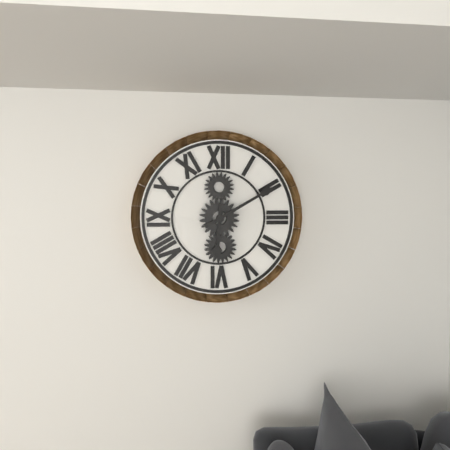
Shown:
6,10
